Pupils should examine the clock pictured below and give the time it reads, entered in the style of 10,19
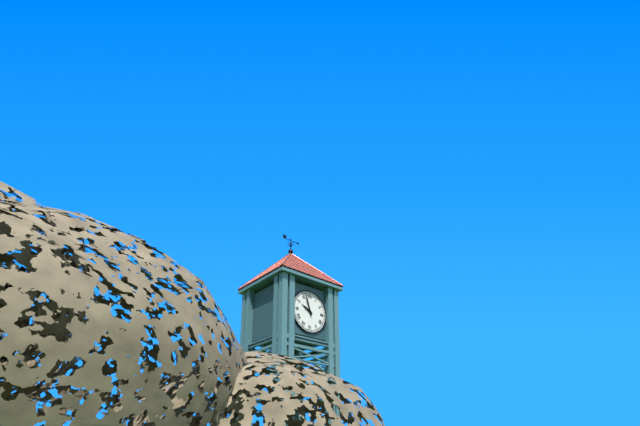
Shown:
9,57
